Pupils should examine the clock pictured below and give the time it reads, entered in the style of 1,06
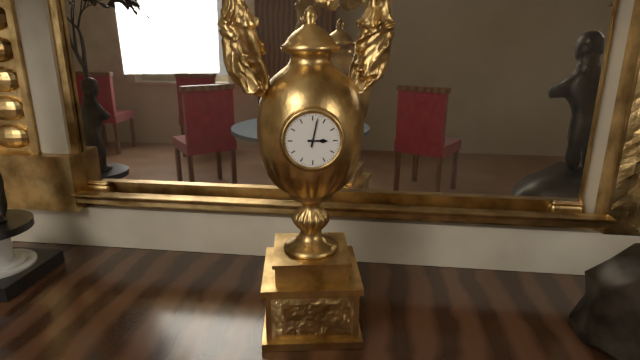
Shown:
3,02
